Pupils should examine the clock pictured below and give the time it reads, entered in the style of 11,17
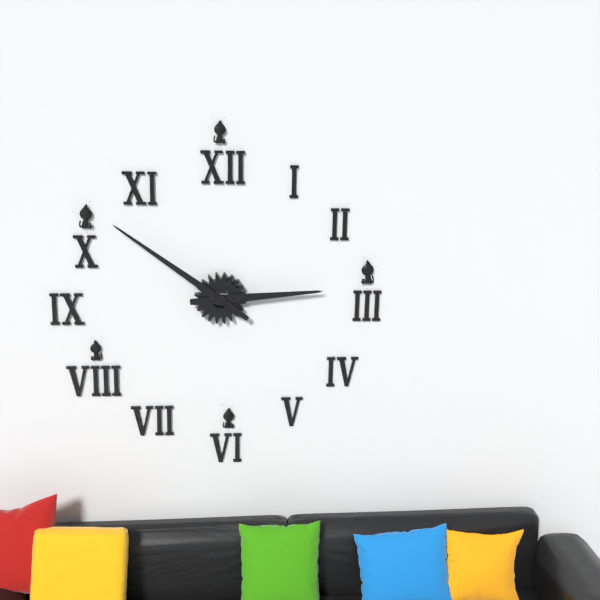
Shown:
2,51
